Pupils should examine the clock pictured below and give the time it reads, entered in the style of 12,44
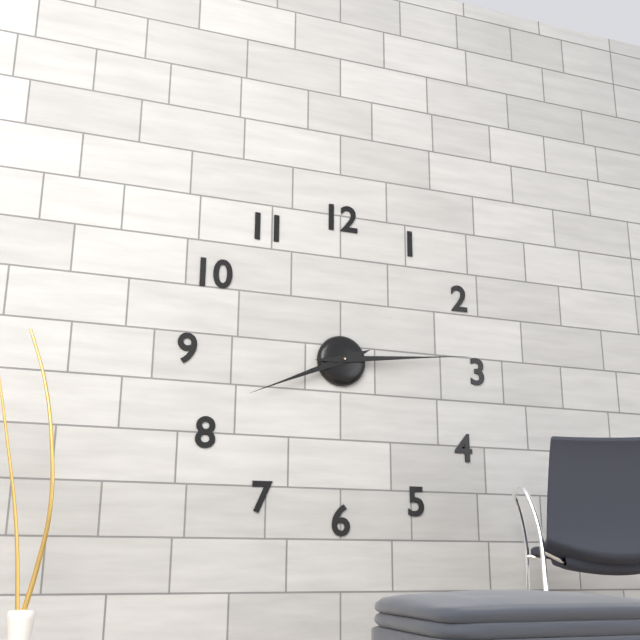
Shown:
8,14
